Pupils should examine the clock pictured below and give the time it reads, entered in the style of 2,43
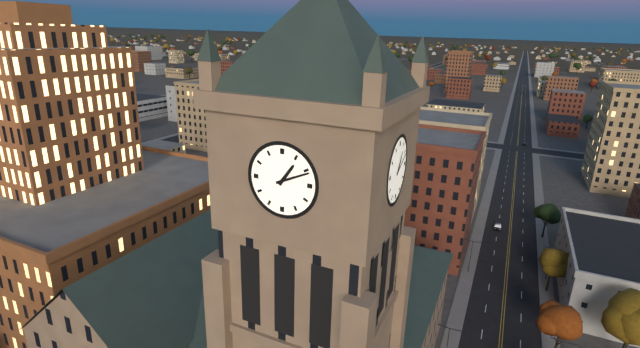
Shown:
1,11
